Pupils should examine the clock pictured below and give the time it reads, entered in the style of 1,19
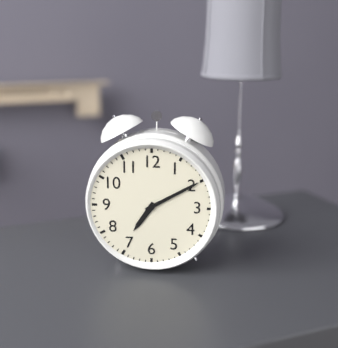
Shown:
7,10
